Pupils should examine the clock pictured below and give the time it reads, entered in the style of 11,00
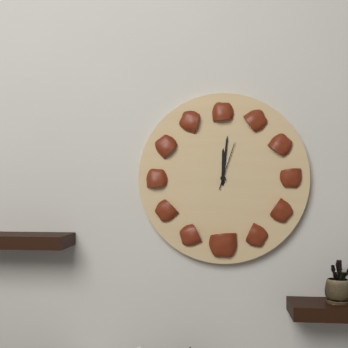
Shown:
12,01
